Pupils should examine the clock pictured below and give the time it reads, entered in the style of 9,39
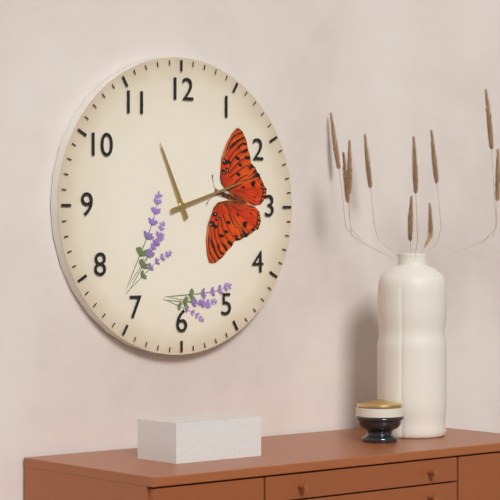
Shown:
11,12
